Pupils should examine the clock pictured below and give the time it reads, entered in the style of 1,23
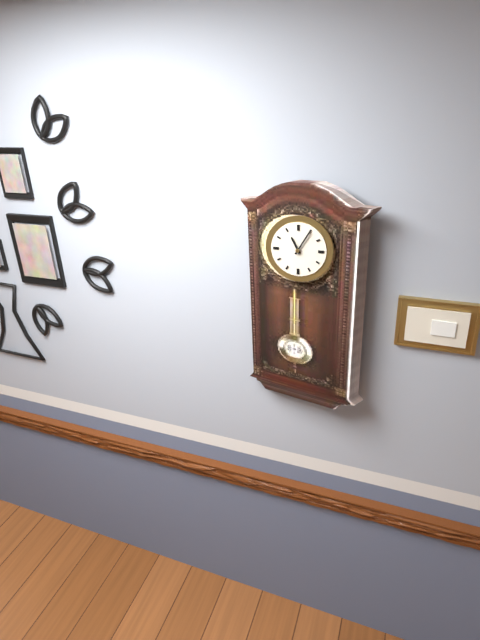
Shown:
11,05
